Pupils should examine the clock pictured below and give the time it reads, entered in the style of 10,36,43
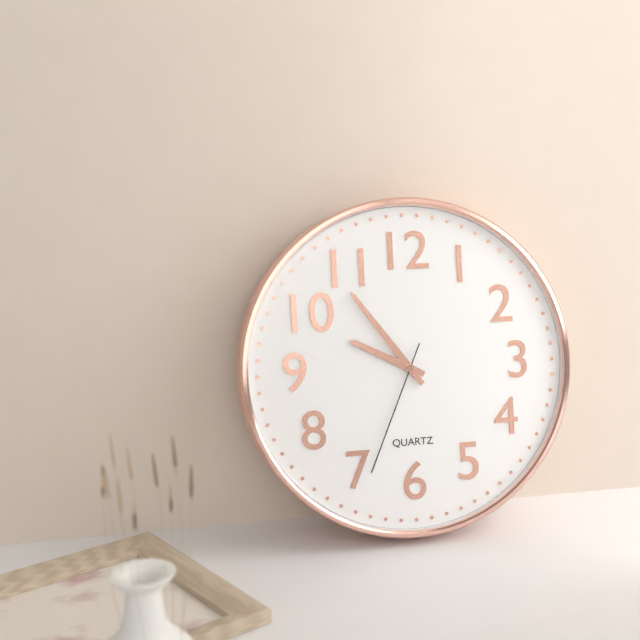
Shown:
9,54,34
